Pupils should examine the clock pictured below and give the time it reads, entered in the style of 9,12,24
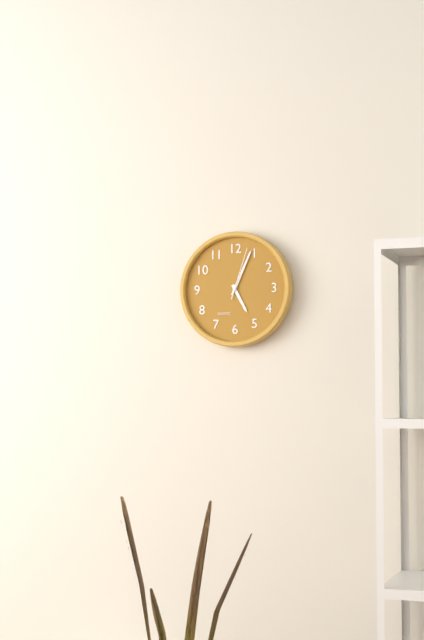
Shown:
5,04,03
